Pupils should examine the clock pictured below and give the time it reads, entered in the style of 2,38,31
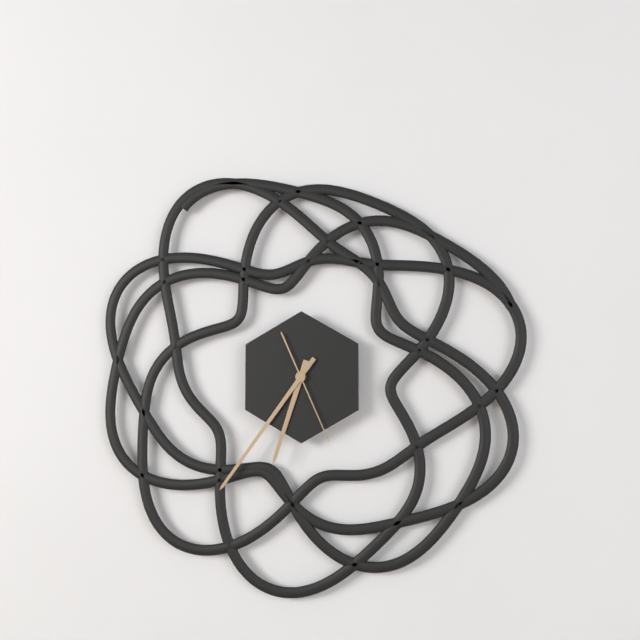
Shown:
6,36,26
